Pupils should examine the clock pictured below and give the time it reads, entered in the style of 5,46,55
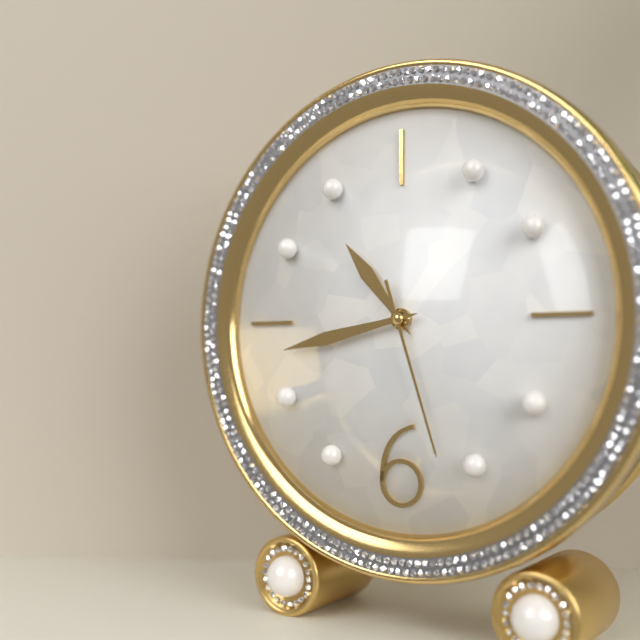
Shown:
10,43,27
